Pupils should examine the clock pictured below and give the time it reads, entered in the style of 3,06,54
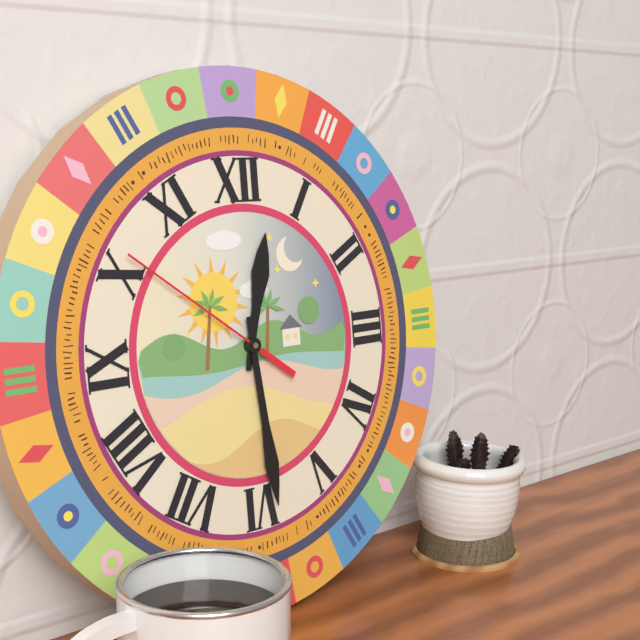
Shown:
12,29,51
